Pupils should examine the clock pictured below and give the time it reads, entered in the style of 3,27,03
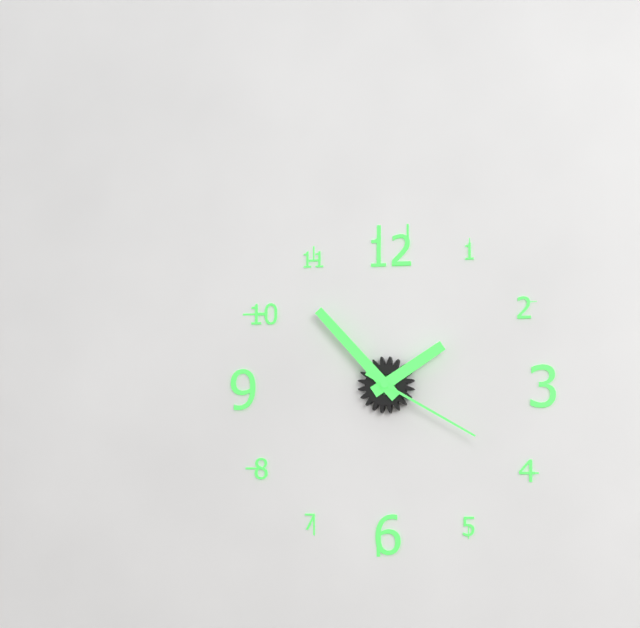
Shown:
1,53,20
